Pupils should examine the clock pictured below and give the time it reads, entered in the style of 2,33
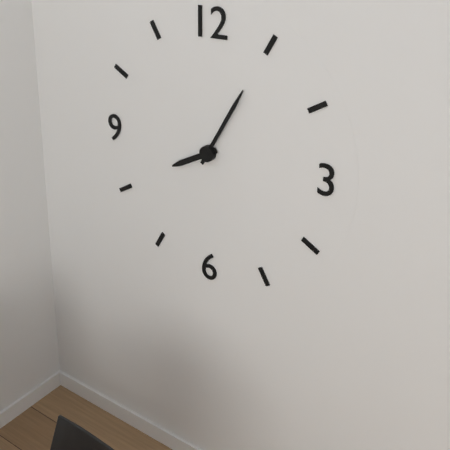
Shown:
8,05
